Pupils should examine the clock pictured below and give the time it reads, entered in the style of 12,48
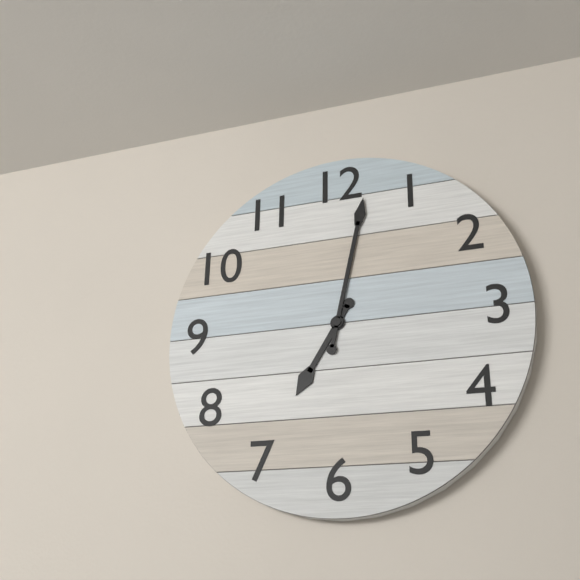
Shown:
7,02
